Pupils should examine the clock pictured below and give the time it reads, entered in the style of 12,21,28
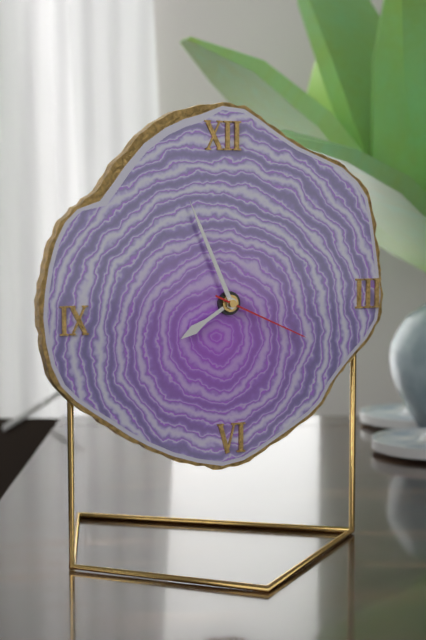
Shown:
7,56,19
